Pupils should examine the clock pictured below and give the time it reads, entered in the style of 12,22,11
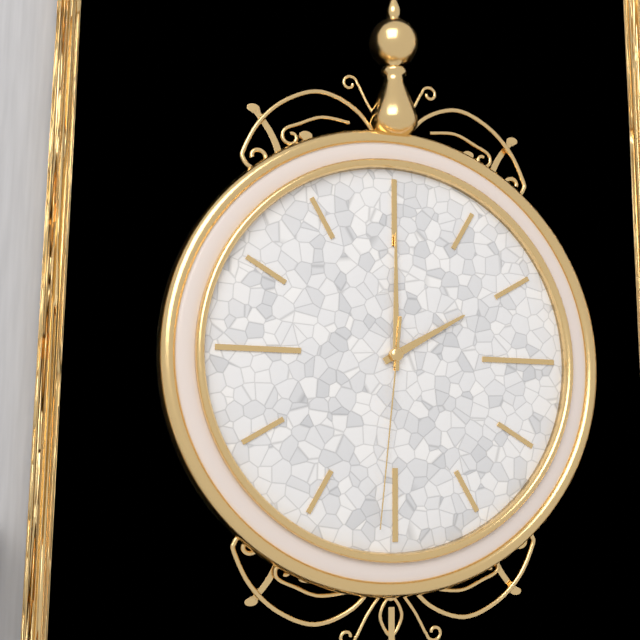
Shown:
2,00,31
